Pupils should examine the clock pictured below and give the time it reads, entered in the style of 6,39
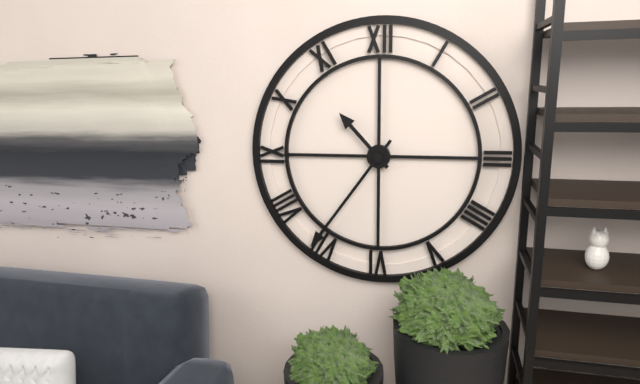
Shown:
10,36
